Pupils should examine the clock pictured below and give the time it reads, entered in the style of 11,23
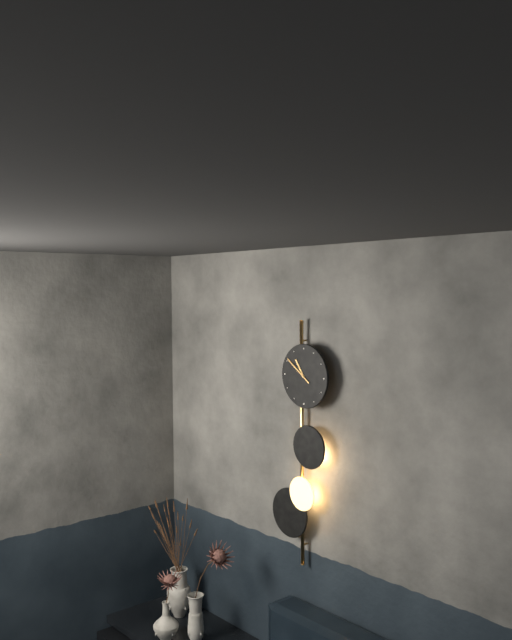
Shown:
10,51
